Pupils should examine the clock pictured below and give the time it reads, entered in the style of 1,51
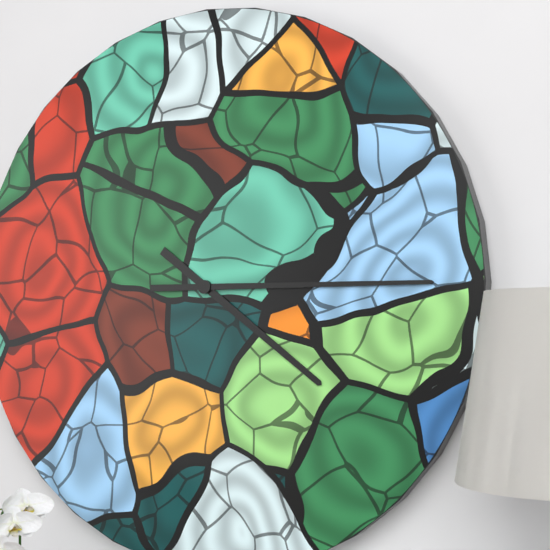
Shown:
4,15
